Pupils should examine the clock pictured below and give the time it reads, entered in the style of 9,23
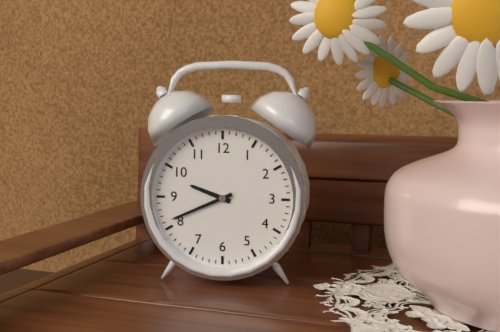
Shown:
9,41
